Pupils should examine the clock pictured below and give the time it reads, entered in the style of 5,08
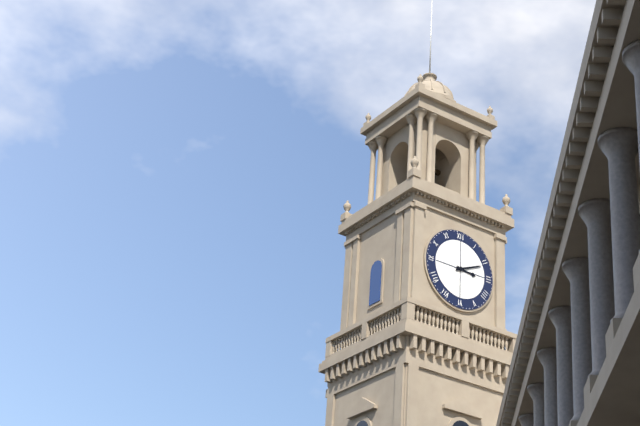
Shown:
3,11
